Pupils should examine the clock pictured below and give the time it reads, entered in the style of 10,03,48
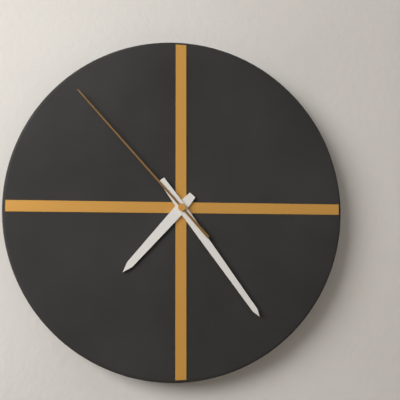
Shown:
7,24,53
